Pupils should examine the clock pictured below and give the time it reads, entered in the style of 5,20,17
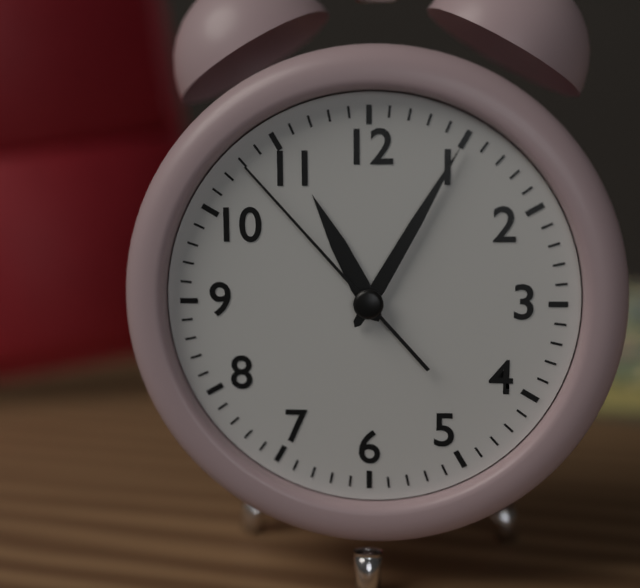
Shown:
11,05,53
